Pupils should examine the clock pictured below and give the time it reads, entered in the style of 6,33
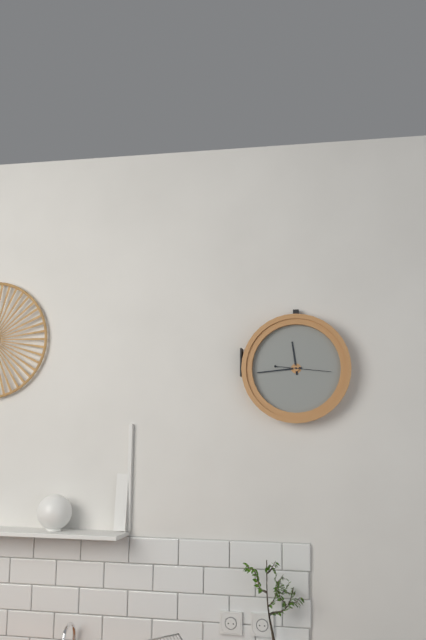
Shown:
11,44
